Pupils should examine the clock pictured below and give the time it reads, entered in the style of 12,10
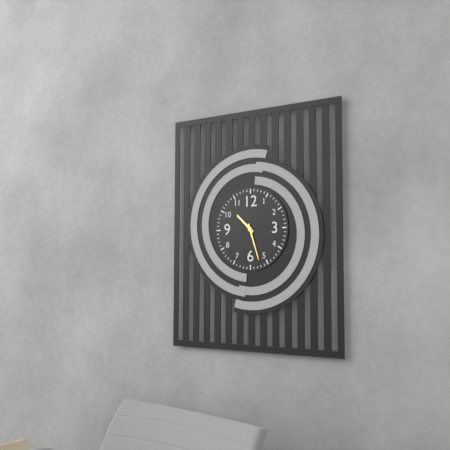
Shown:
10,27
